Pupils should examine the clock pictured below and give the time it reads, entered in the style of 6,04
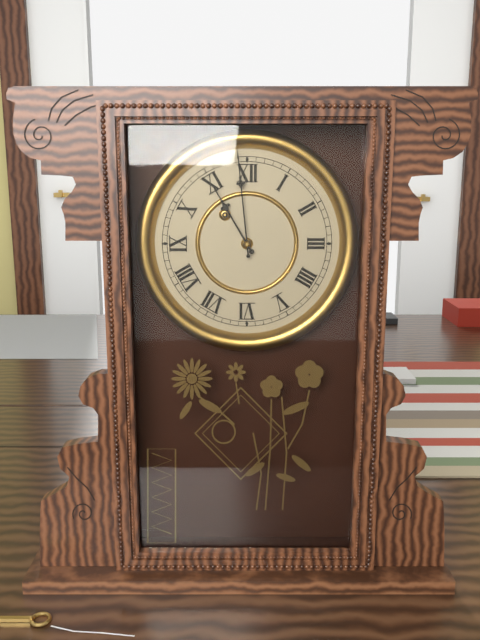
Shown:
10,59
